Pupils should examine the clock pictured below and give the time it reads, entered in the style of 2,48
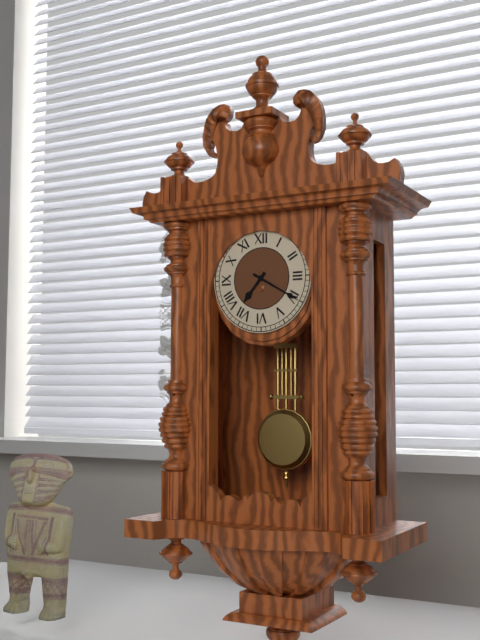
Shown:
7,20
